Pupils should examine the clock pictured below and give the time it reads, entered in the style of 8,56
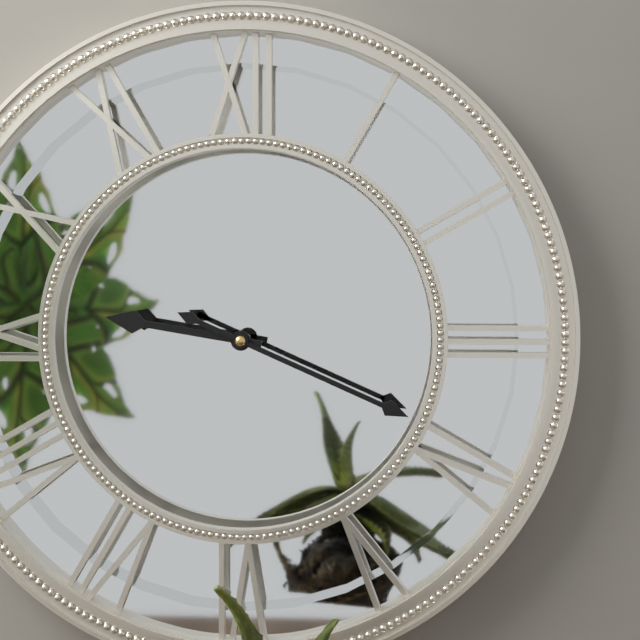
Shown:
9,19
